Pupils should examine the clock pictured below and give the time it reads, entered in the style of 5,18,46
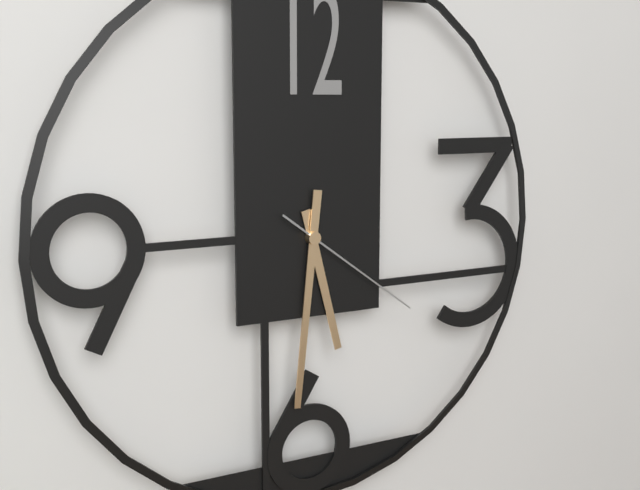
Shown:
5,31,21
